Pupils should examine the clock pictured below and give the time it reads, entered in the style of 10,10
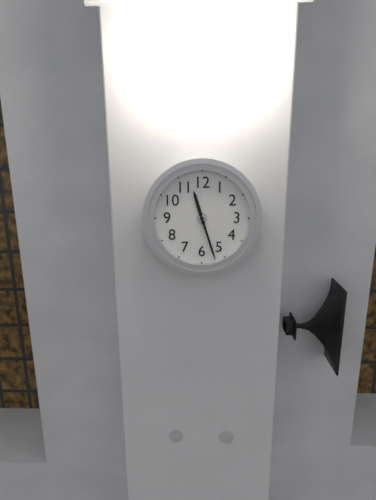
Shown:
11,27
